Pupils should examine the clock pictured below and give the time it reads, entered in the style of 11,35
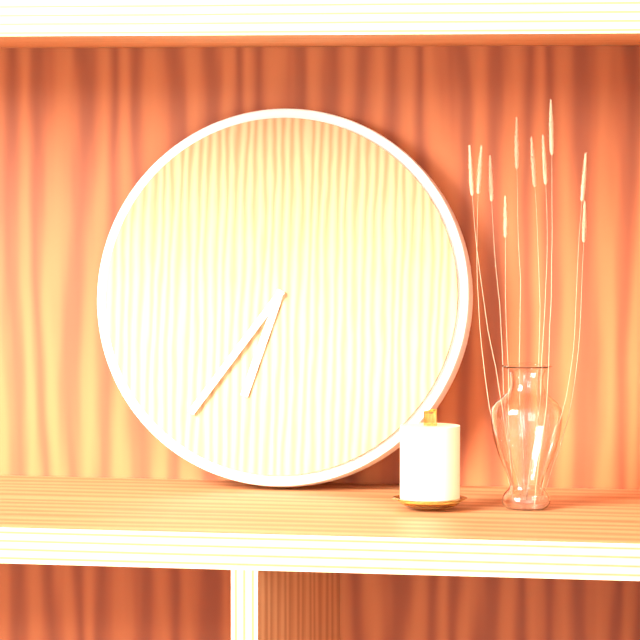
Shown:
6,36
